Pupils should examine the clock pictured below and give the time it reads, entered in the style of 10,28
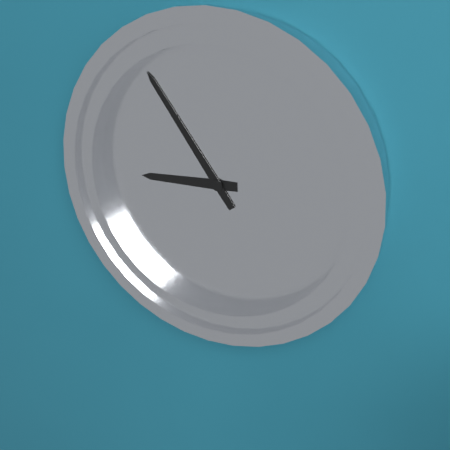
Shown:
8,54
